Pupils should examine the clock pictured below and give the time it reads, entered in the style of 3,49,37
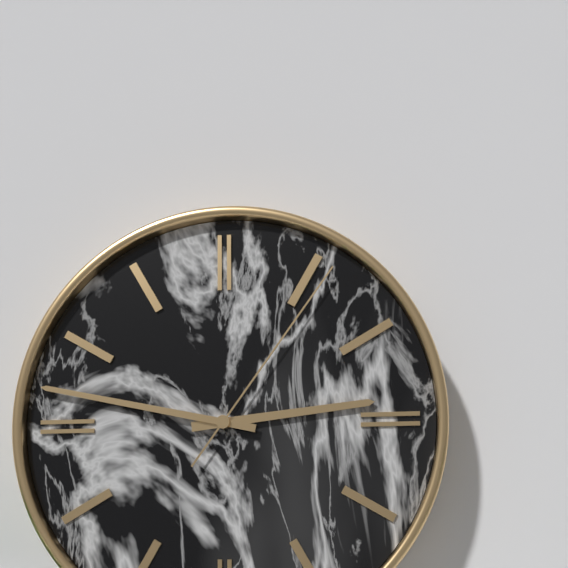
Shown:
2,47,06
